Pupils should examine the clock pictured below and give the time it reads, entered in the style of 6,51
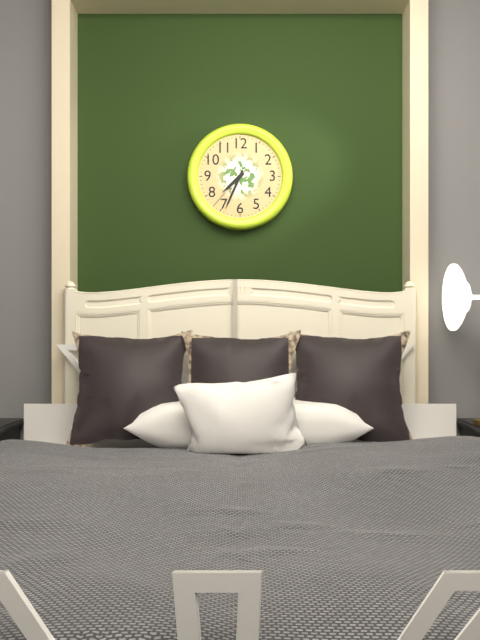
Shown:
7,34
